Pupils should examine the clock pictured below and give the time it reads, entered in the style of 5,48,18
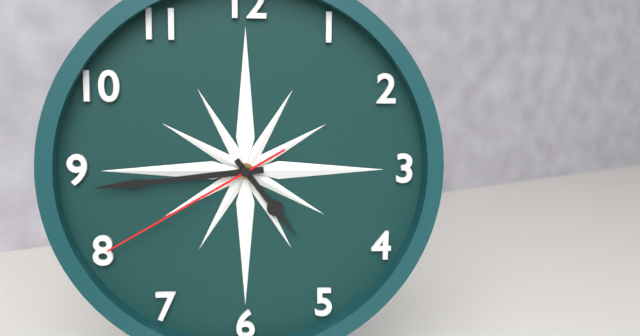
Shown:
4,44,40
